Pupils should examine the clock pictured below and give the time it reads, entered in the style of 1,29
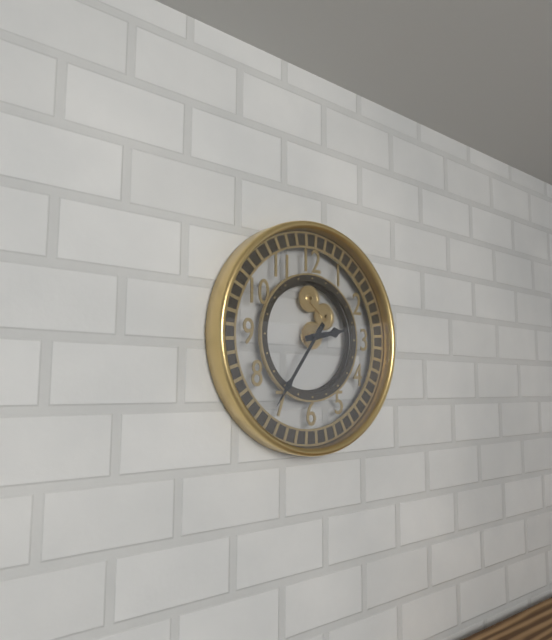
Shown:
2,36
